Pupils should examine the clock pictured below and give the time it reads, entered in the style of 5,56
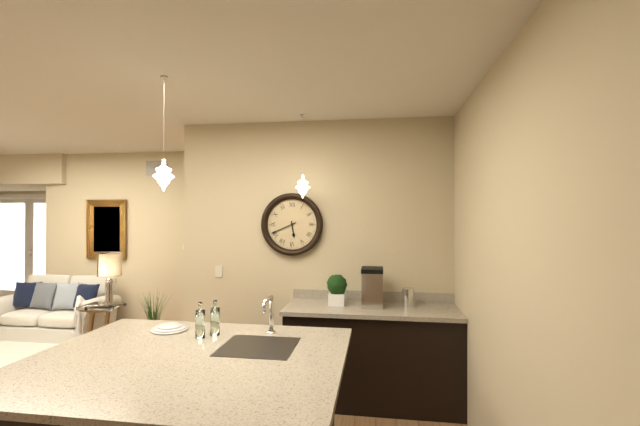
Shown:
5,41
